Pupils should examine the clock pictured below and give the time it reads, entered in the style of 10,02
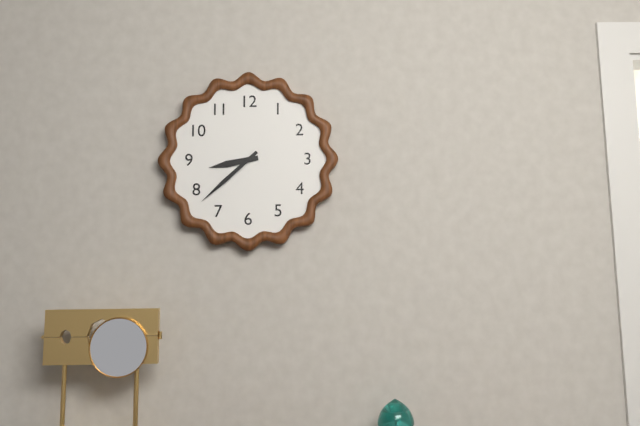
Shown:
8,38
